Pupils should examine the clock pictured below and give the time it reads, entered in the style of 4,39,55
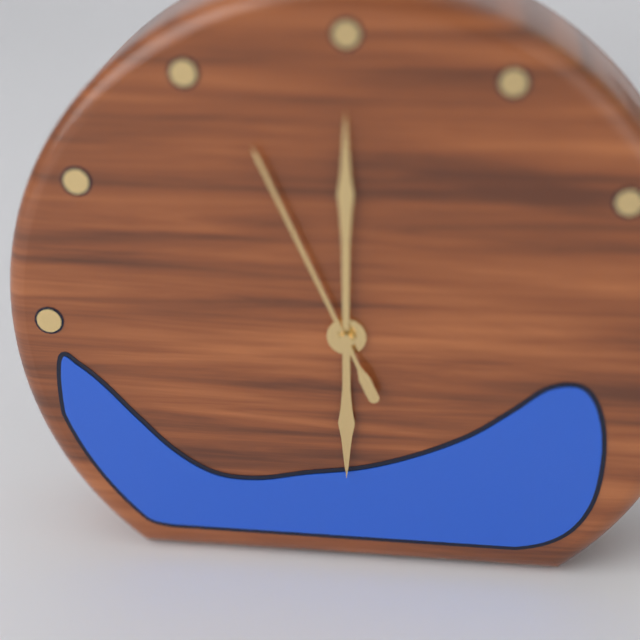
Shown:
6,00,56
